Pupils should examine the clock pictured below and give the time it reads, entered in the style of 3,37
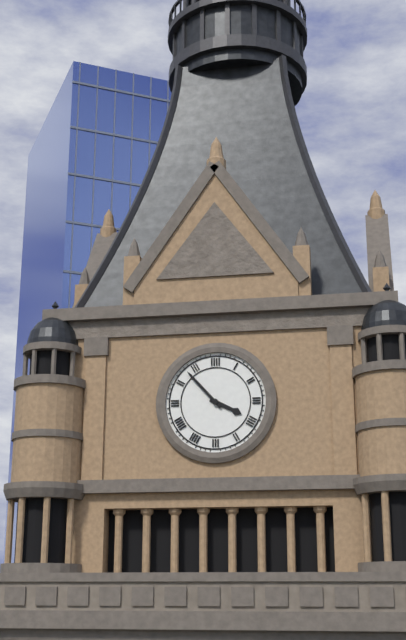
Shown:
3,53
